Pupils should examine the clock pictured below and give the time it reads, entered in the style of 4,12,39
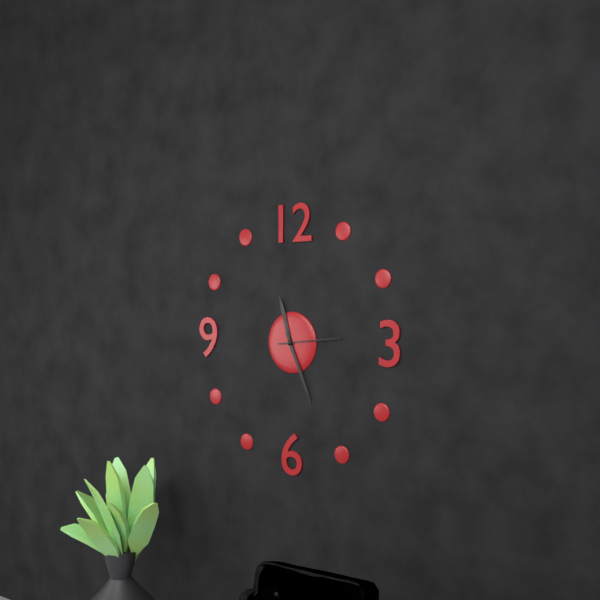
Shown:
11,26,14
